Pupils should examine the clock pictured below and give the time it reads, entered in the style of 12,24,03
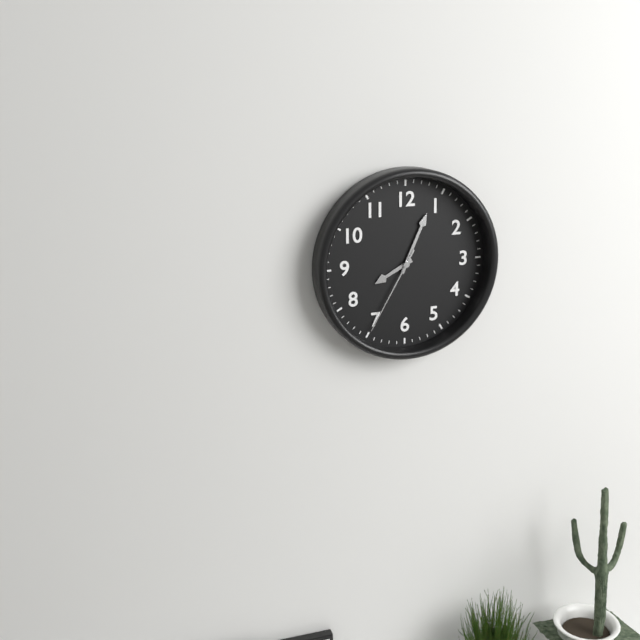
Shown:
8,04,35
